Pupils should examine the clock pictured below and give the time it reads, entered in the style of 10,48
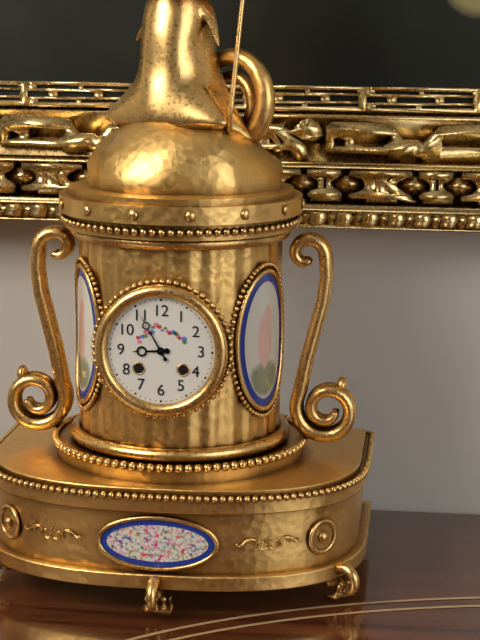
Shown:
8,55
